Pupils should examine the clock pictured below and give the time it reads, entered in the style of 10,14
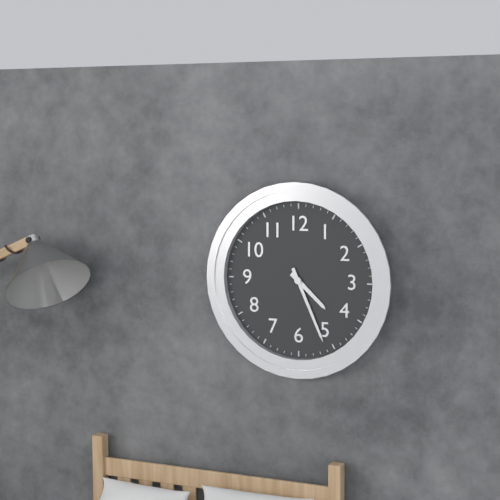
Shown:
4,26
